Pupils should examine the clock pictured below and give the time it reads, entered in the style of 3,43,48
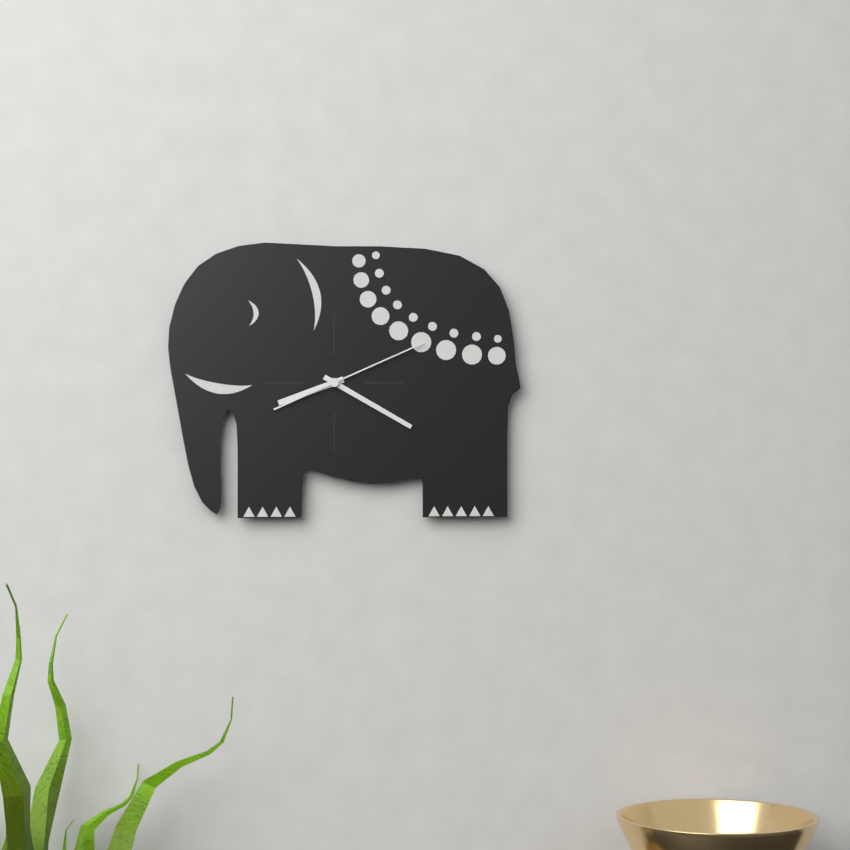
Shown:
8,20,11
